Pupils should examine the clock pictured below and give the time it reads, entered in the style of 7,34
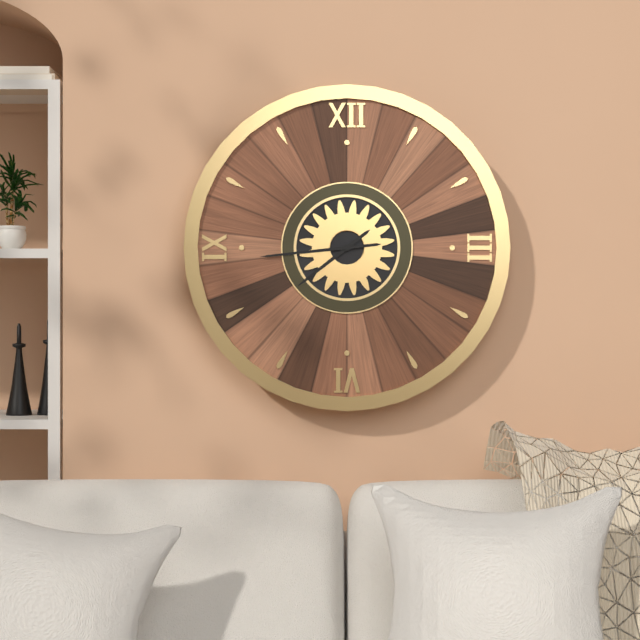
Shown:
7,44
